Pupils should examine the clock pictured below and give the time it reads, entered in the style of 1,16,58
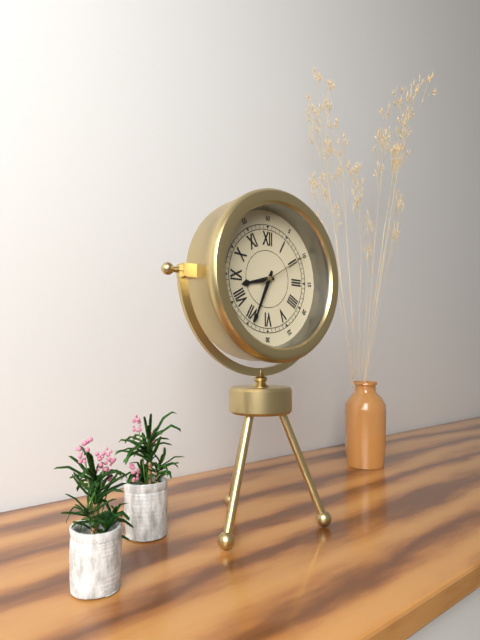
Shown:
8,34,10
